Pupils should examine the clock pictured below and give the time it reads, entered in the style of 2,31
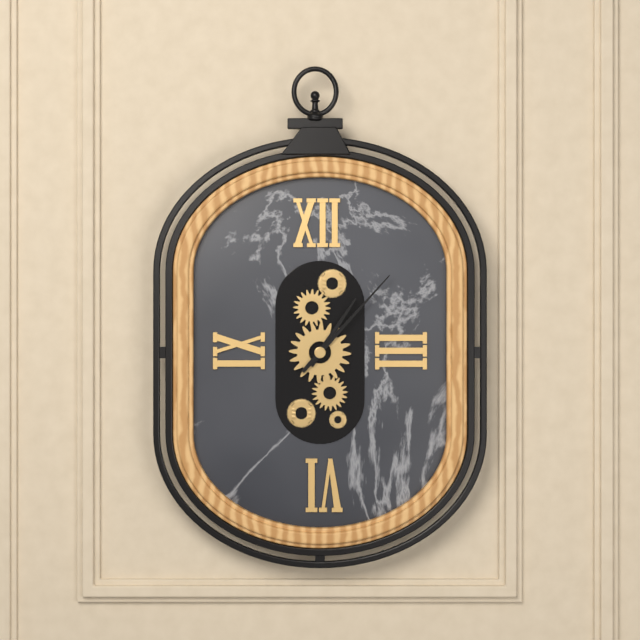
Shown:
1,07
